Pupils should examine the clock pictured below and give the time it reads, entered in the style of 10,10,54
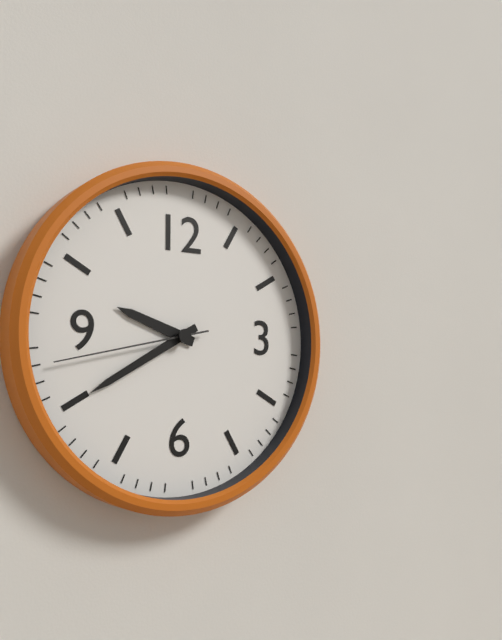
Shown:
9,40,43
